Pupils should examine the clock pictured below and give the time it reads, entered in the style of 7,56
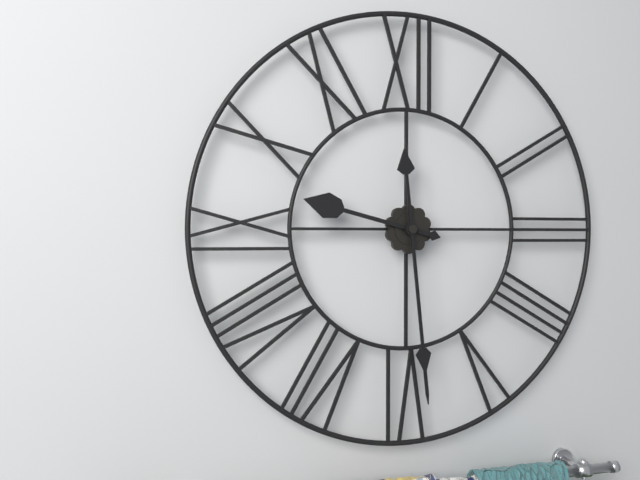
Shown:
9,29
